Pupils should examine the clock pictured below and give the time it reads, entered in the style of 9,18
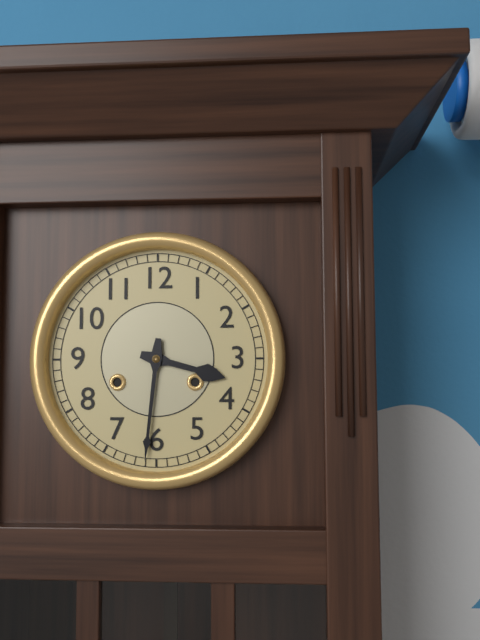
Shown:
3,31
